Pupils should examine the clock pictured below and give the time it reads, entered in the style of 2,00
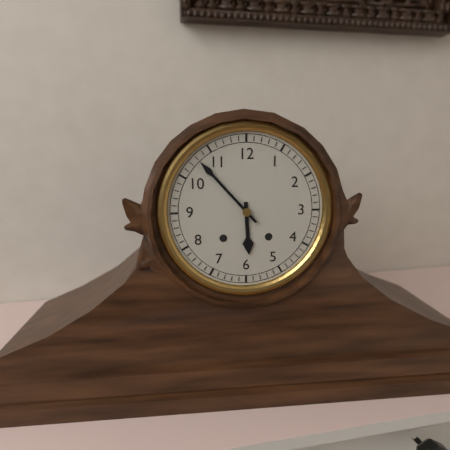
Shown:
5,53
